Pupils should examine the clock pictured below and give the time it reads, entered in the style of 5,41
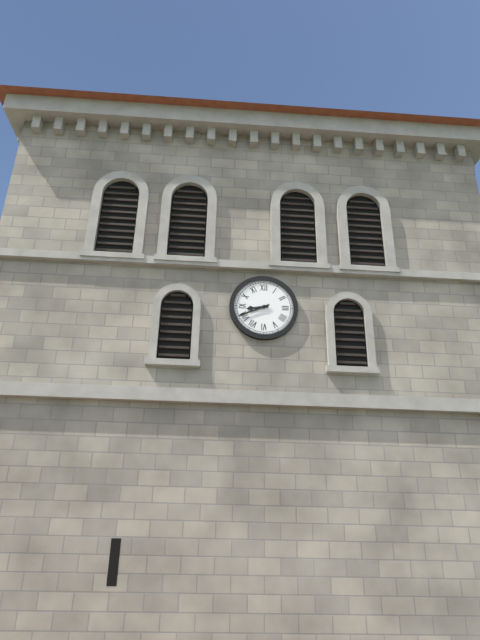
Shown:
8,41
